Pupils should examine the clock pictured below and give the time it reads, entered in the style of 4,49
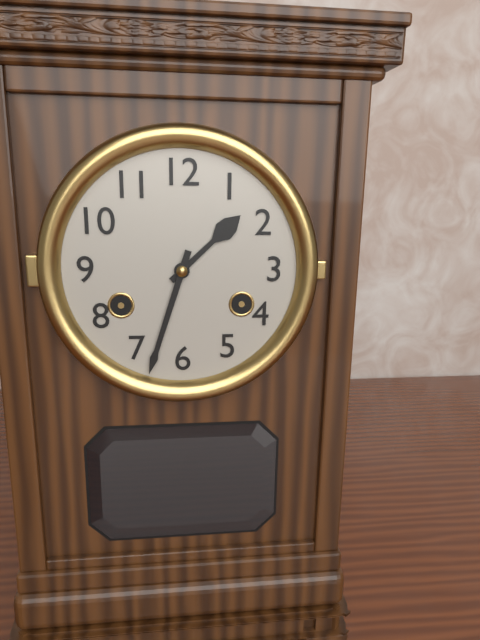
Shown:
1,33
